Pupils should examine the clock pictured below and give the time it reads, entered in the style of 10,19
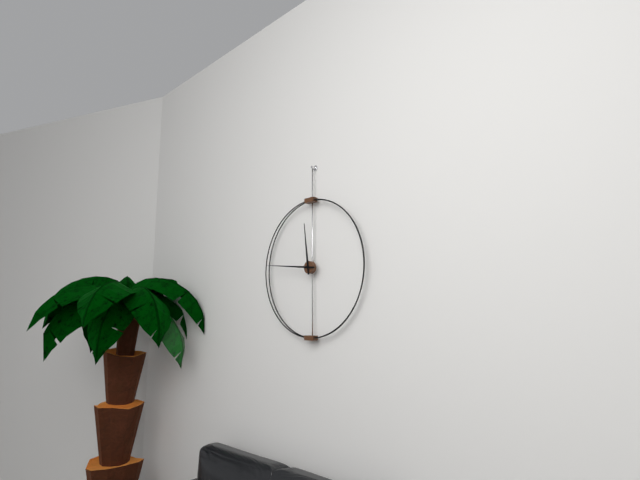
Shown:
11,46
